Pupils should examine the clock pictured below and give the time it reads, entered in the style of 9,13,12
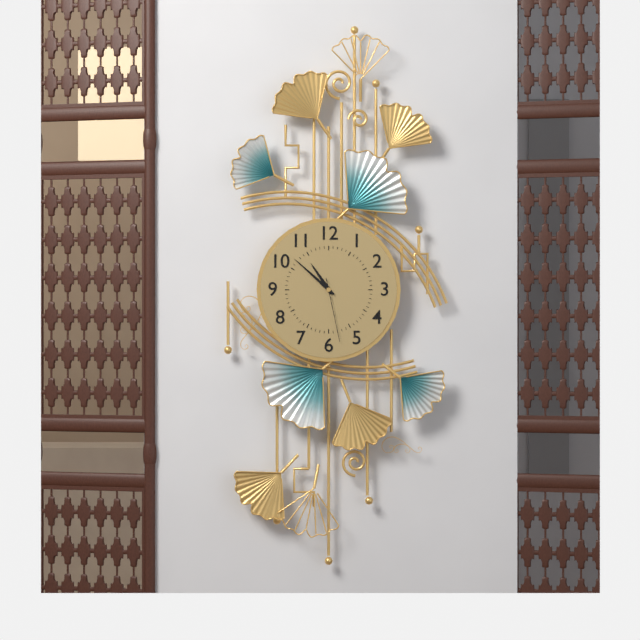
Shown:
10,52,28
